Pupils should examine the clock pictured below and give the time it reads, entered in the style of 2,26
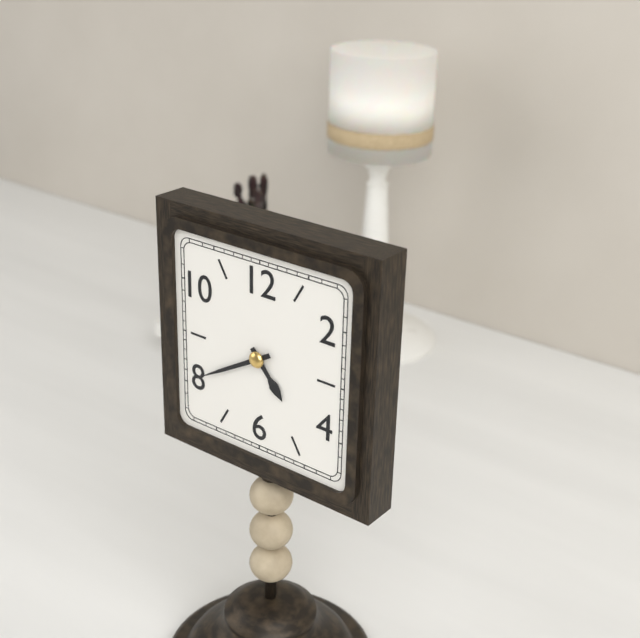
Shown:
4,40
